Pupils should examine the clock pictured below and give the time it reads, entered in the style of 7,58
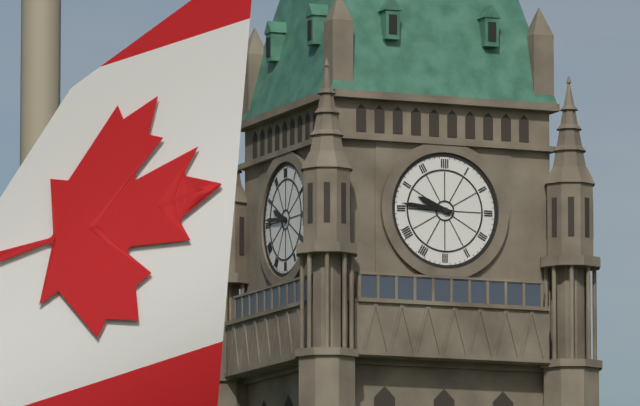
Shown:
9,46
